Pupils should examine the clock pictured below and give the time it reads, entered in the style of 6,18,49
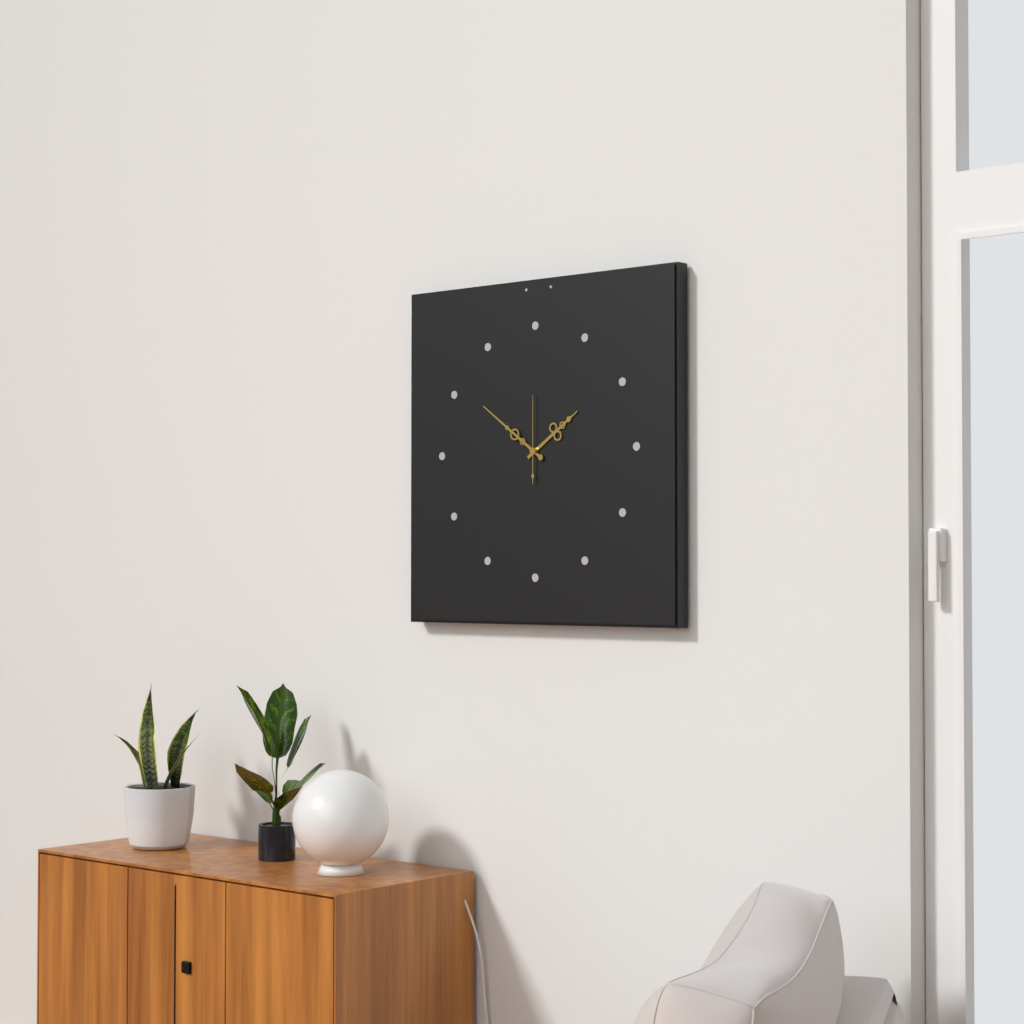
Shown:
1,51,00
